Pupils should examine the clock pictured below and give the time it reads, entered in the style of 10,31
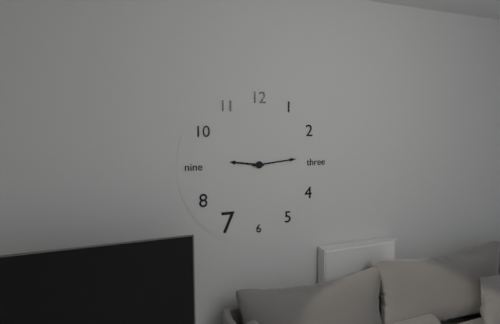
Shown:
9,14
